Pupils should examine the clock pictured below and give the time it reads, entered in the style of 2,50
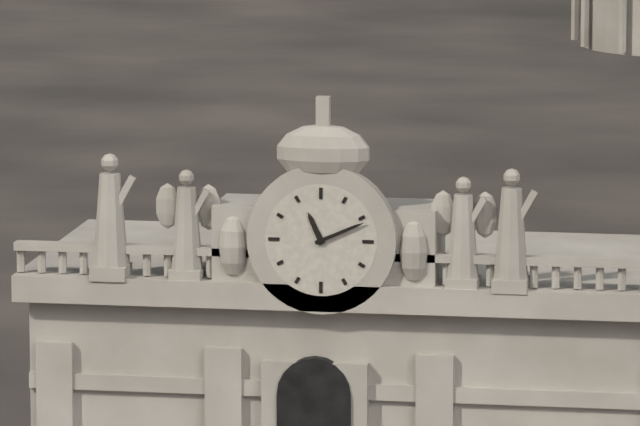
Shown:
11,11
